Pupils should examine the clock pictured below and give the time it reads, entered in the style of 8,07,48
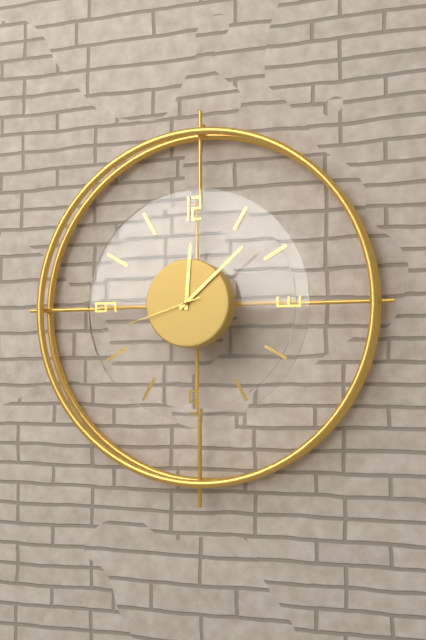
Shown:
12,08,42
